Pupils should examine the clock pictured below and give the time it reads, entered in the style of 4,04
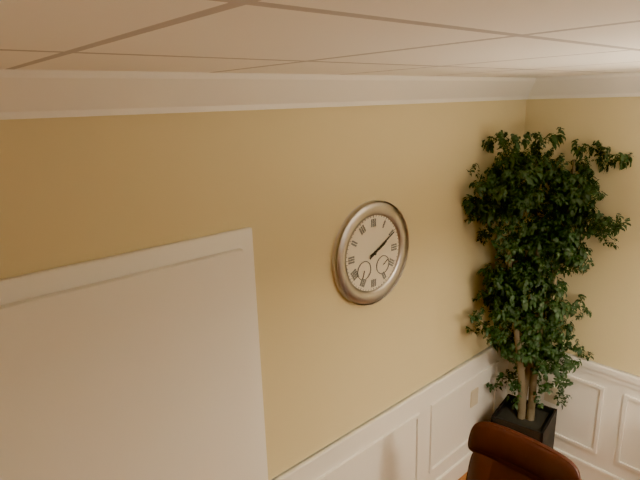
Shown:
2,10
